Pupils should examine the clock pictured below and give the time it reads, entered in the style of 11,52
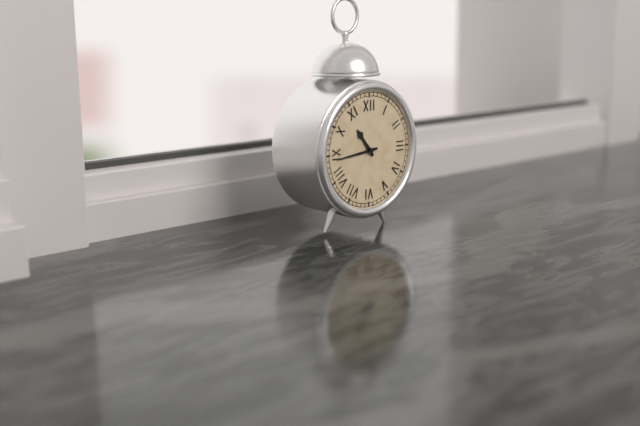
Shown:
10,44
